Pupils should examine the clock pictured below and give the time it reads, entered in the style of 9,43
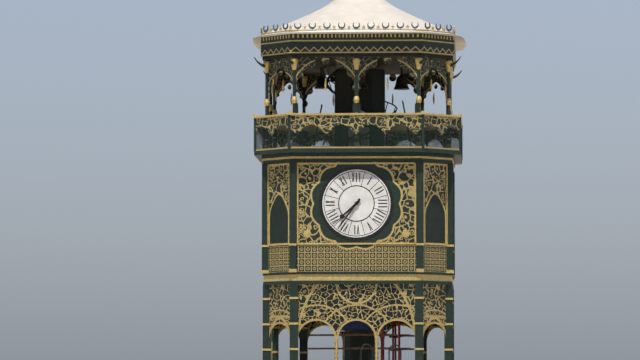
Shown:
7,36
